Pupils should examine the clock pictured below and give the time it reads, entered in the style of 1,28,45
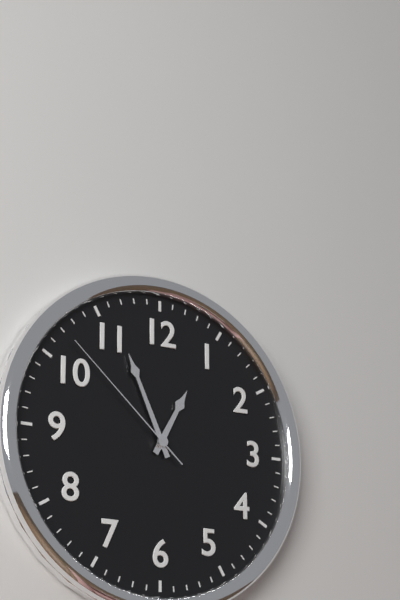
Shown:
12,56,52
